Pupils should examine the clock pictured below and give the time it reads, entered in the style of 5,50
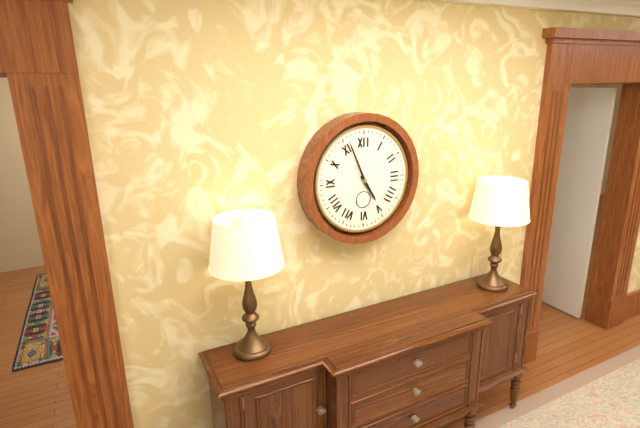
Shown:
4,56
